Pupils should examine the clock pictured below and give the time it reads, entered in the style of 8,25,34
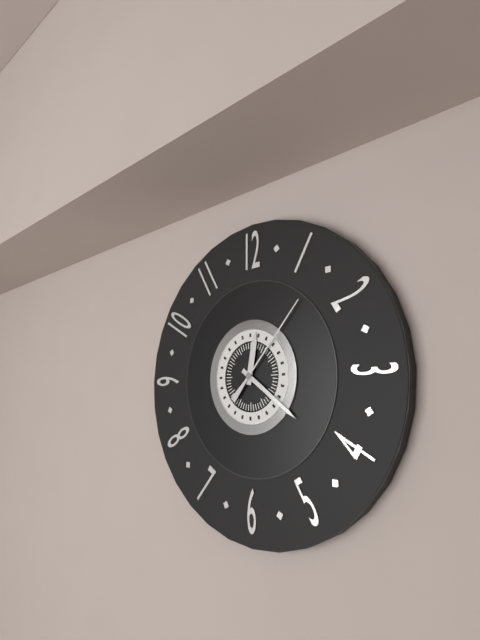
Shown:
12,21,07
